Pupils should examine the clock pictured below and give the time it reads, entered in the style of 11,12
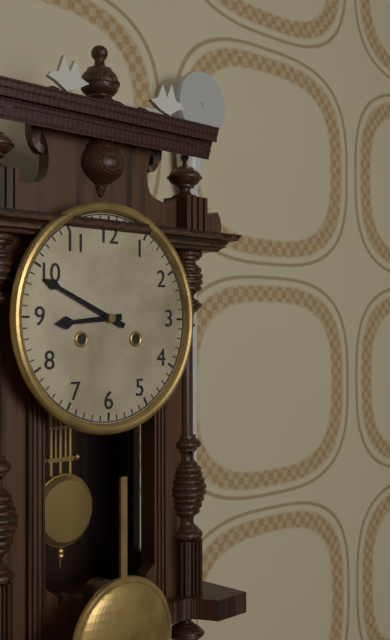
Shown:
8,49
